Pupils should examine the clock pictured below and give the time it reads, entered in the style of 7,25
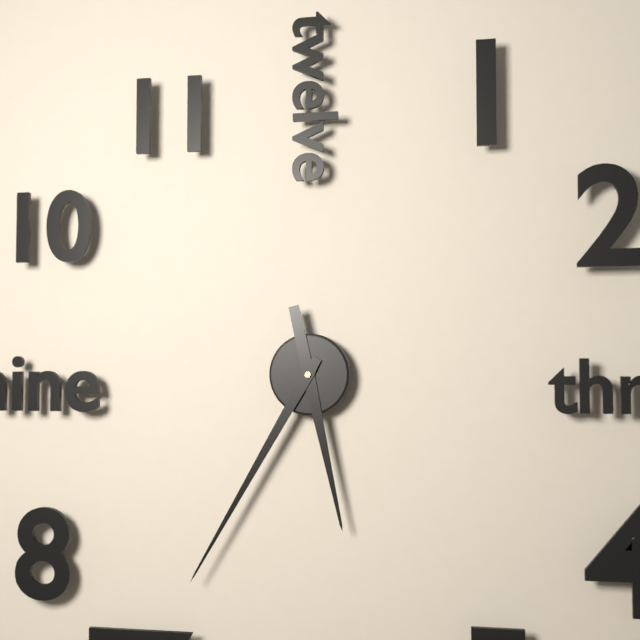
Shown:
5,35
